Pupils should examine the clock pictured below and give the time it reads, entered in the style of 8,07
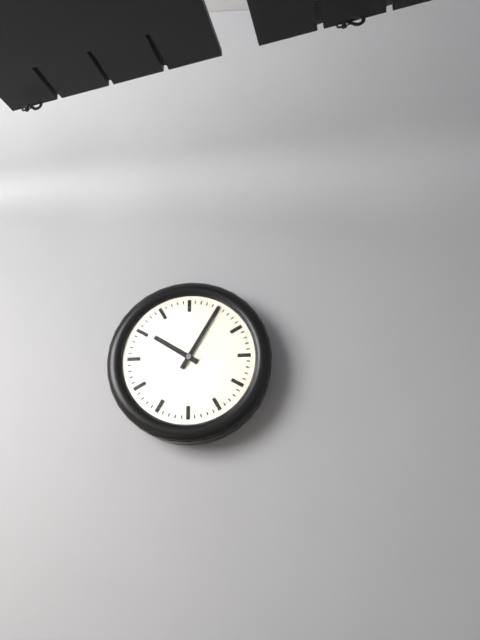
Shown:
10,05
